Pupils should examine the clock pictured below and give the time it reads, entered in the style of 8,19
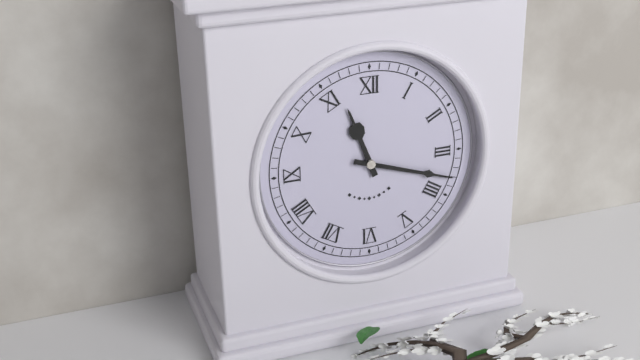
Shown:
11,18
